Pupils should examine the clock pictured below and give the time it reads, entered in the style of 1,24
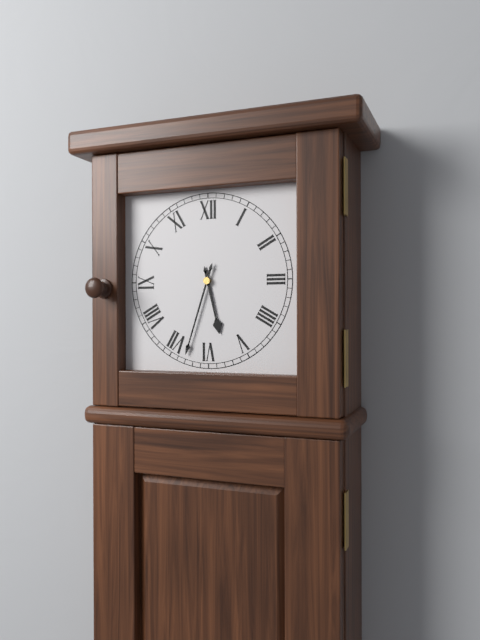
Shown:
5,33
